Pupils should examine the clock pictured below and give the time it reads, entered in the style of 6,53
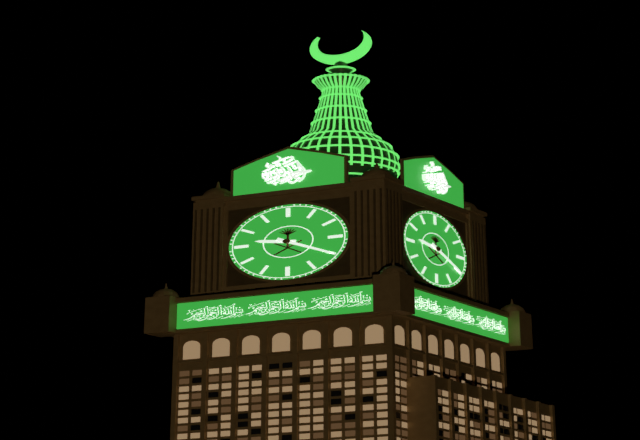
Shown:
9,20
